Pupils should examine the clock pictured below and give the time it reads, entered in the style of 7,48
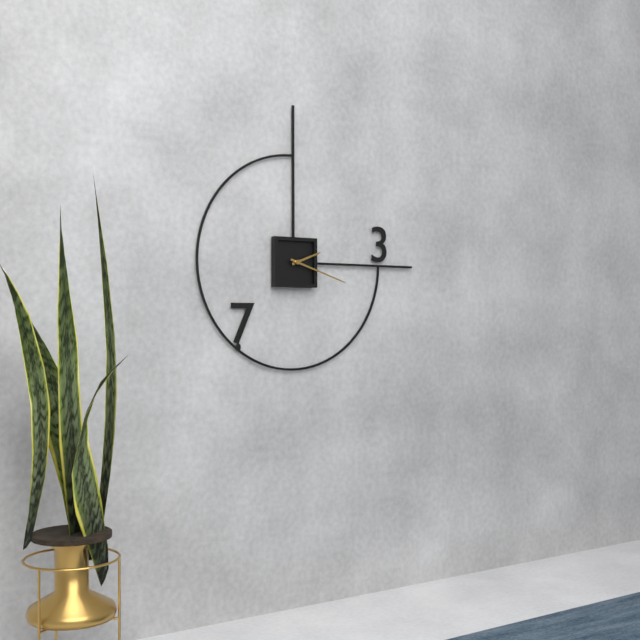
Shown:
2,18
